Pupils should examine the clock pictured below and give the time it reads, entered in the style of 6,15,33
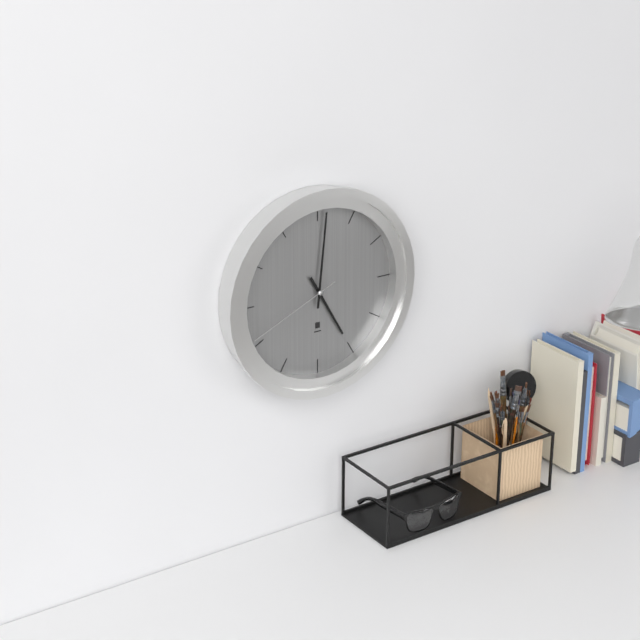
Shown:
5,01,41
